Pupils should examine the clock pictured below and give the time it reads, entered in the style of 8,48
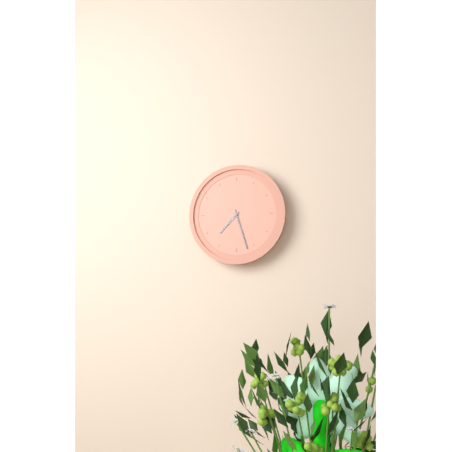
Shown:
7,27
